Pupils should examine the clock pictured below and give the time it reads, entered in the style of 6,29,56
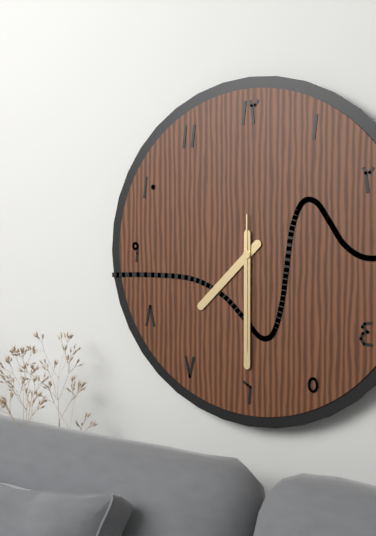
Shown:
7,30,30
